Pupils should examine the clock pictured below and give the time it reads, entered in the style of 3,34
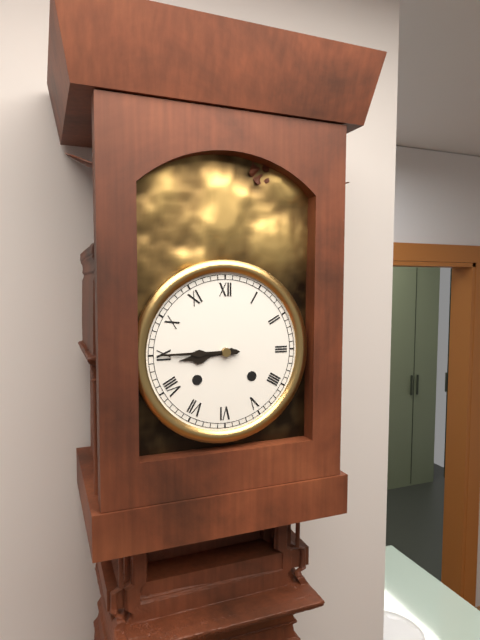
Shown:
8,45
